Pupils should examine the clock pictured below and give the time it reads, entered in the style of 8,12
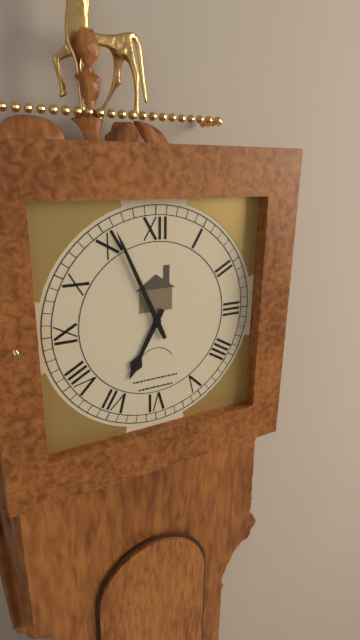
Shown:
6,56
